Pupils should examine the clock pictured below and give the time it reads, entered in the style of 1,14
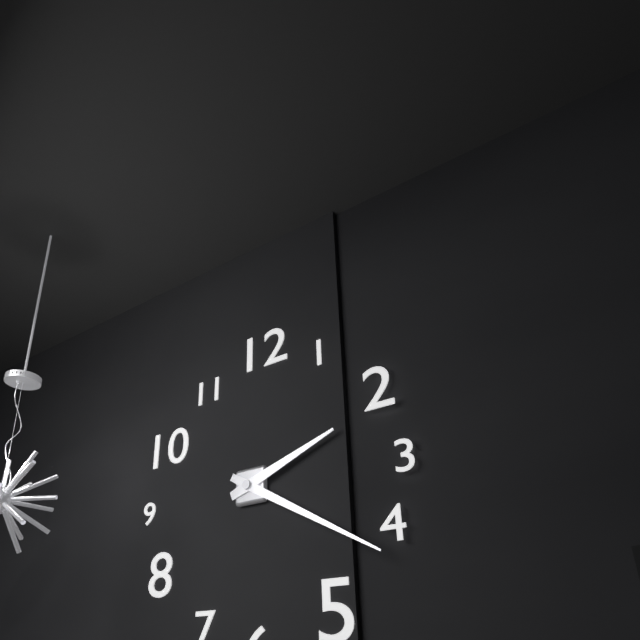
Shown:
2,20
